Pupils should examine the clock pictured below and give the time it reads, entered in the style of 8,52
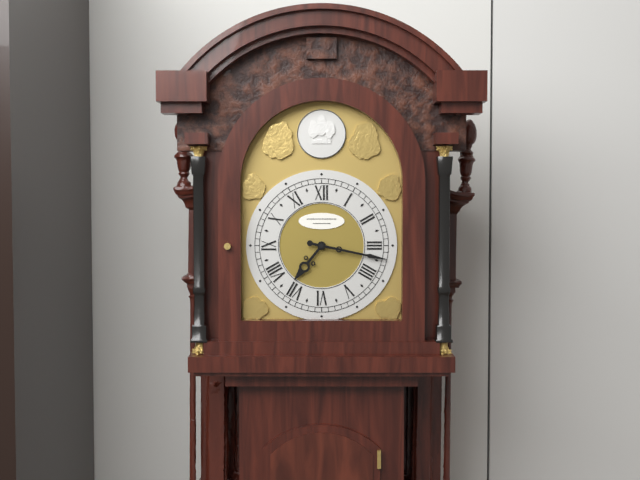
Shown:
7,17
